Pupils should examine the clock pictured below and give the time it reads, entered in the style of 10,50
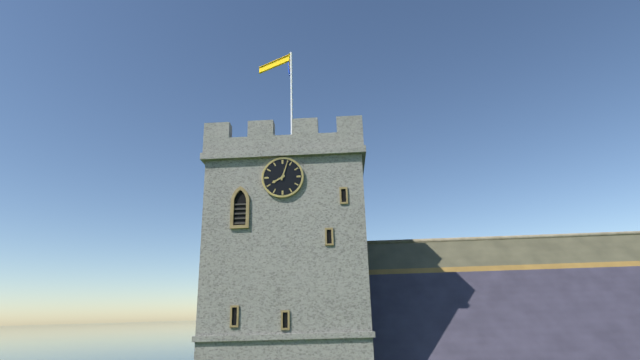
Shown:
8,03
